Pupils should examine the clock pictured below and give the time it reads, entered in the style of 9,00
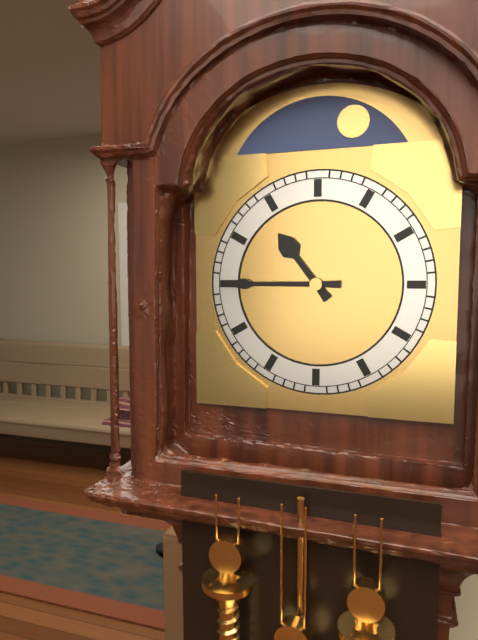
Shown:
10,45
